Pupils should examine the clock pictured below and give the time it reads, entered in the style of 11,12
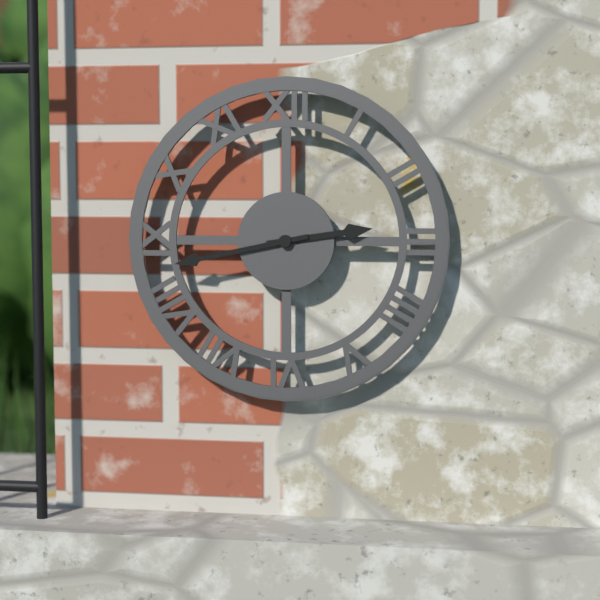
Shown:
2,43
